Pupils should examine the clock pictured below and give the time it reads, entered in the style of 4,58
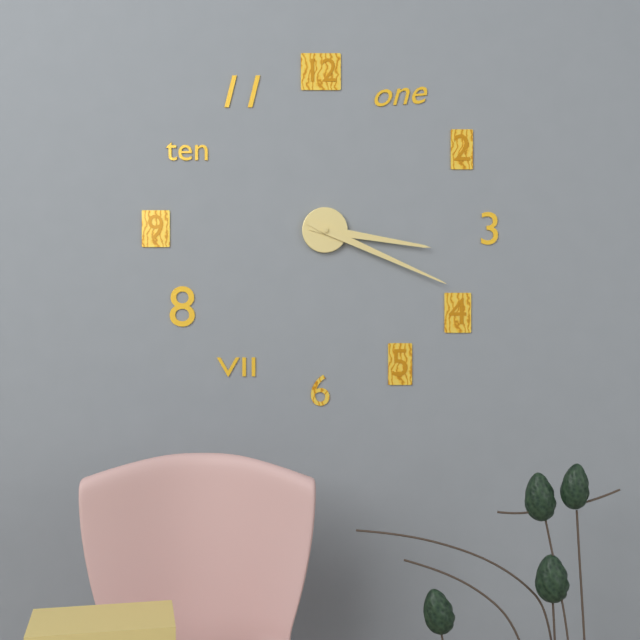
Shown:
3,19
